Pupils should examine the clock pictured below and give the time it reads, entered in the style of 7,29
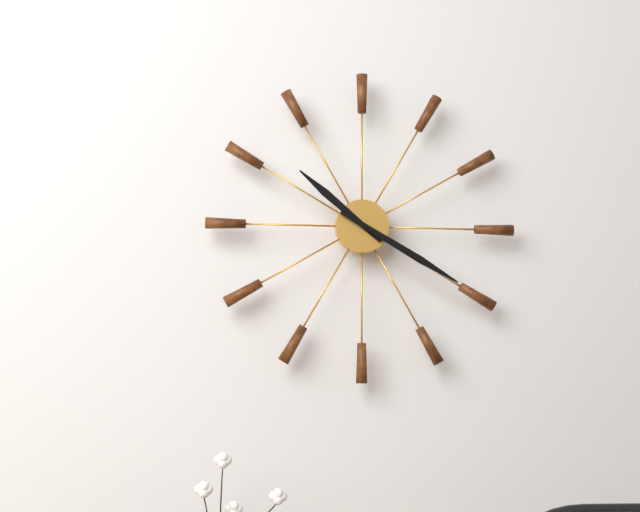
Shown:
10,20
